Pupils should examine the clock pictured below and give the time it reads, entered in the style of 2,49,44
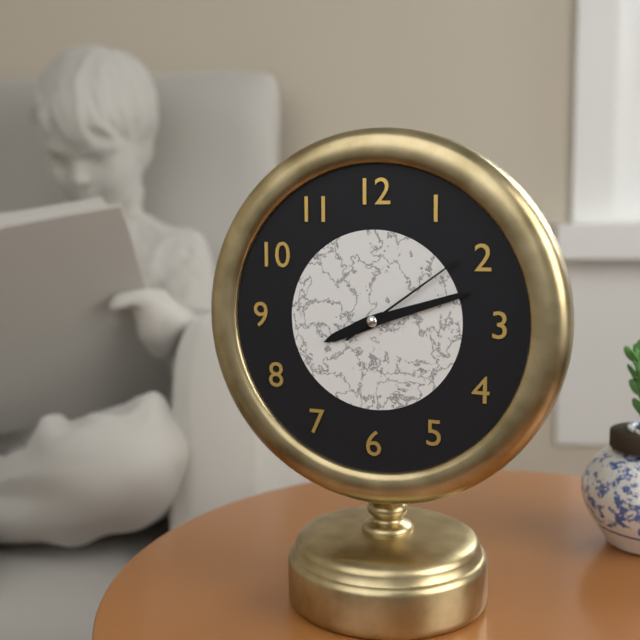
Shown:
8,12,09
